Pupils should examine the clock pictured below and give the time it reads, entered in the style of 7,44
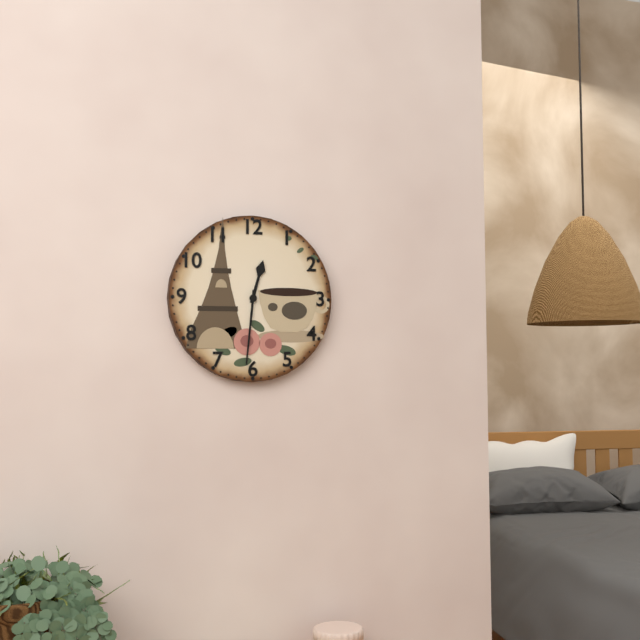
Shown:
12,31
